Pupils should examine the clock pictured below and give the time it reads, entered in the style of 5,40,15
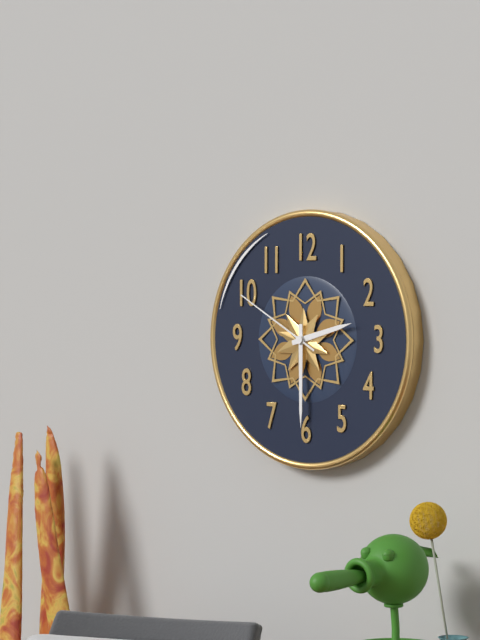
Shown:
2,30,50
